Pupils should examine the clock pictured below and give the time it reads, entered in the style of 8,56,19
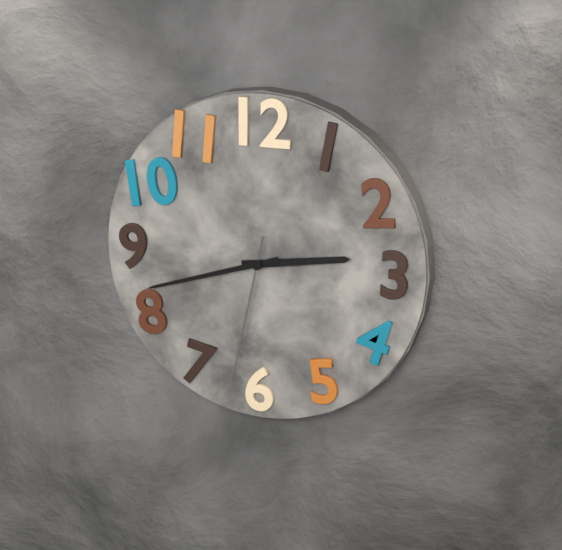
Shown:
2,42,32
